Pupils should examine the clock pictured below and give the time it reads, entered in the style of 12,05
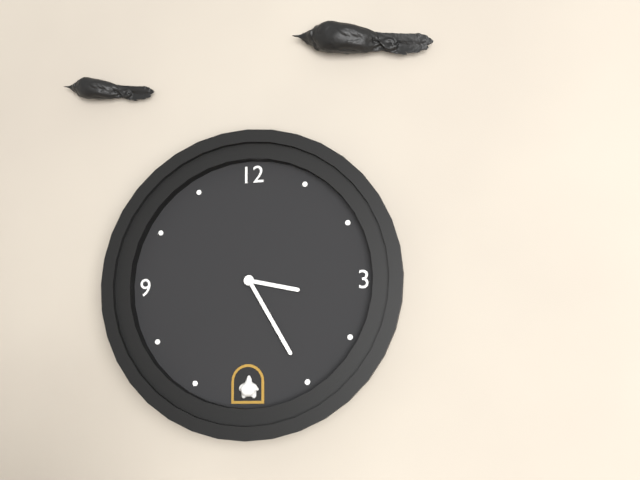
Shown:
3,25
